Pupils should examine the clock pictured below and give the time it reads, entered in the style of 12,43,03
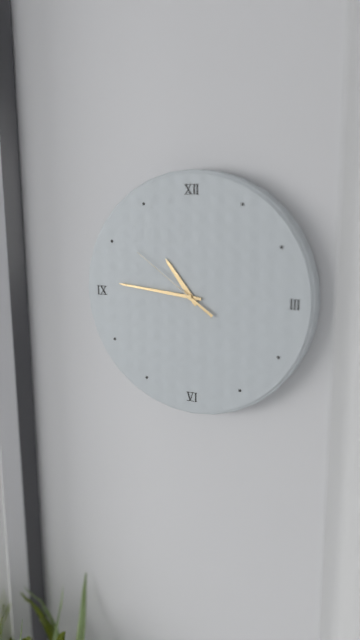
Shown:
10,46,51
